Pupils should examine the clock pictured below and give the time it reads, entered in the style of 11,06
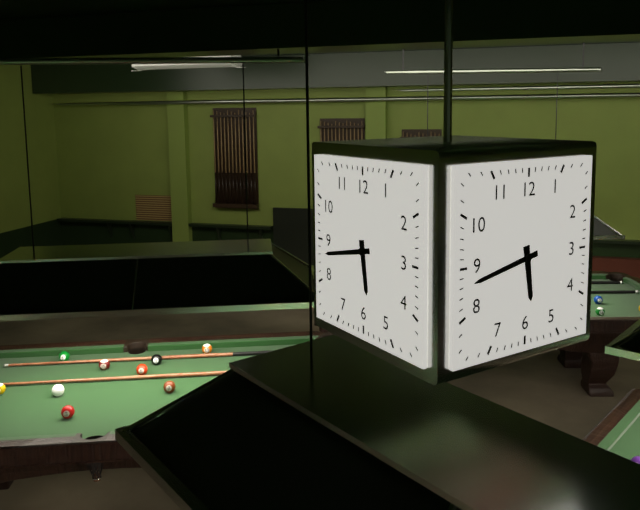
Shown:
5,43
